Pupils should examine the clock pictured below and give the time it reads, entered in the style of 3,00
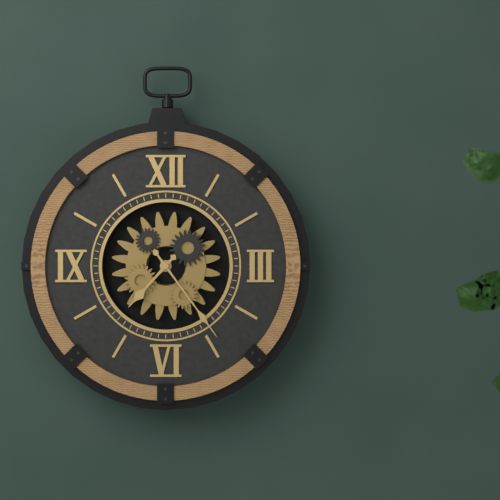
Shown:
7,24
